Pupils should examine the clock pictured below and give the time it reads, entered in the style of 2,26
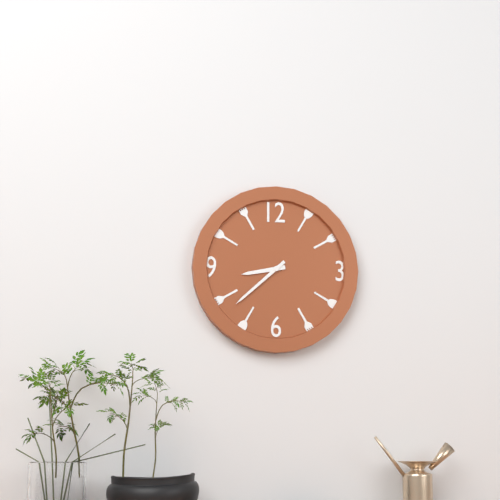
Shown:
8,38
